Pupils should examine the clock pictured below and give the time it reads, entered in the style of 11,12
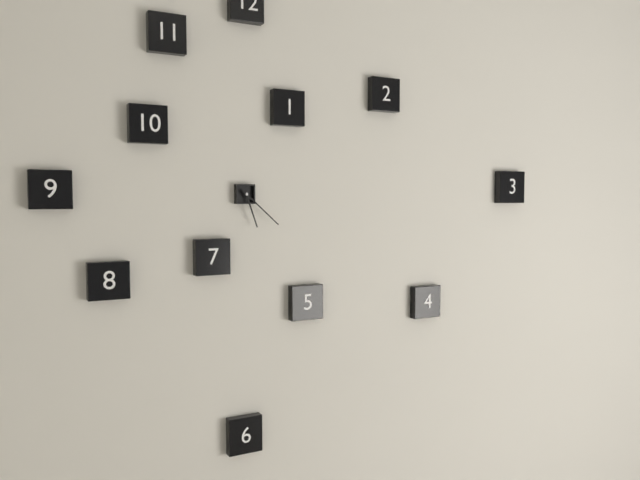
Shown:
5,22
